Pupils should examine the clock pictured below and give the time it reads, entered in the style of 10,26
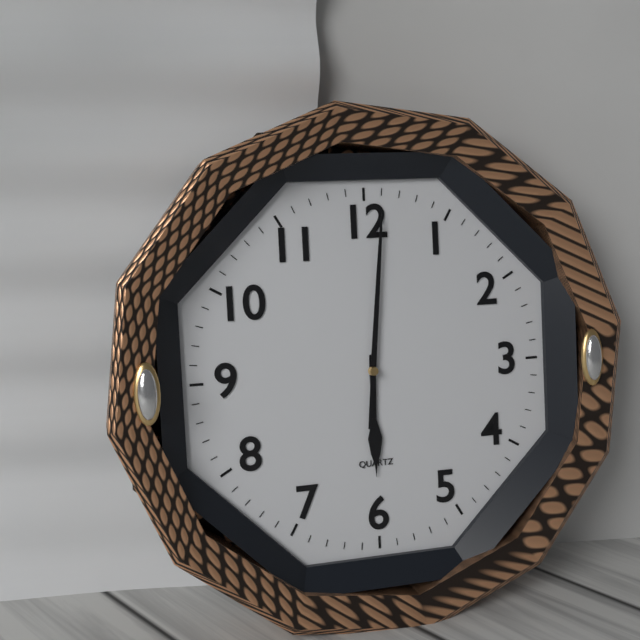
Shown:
6,01
